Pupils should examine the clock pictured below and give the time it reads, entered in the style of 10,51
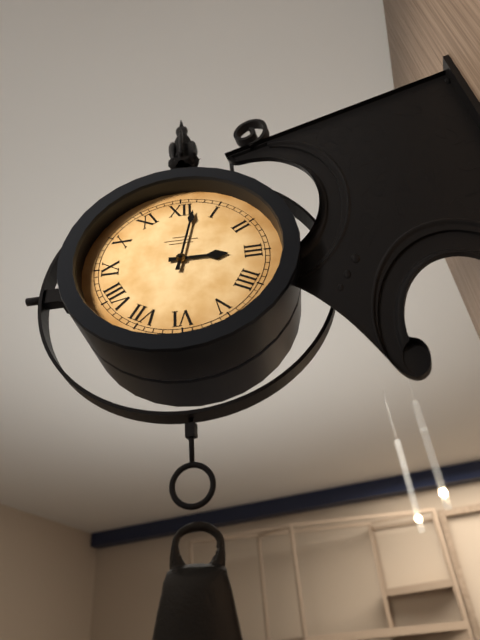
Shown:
3,02
